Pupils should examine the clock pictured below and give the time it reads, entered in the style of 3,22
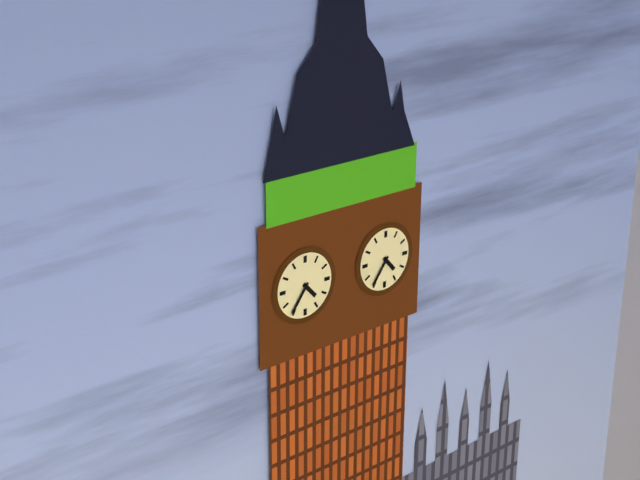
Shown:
4,36
